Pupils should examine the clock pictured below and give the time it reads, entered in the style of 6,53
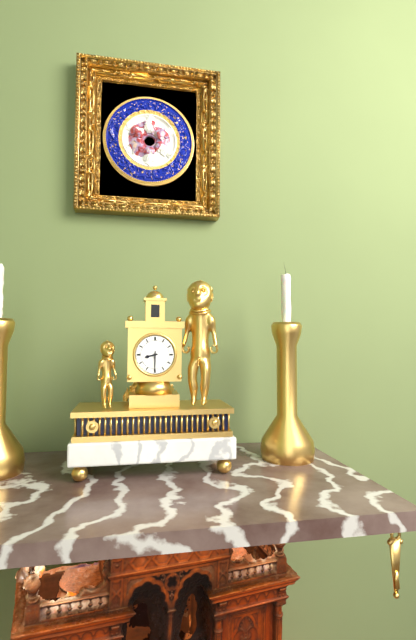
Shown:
8,30
